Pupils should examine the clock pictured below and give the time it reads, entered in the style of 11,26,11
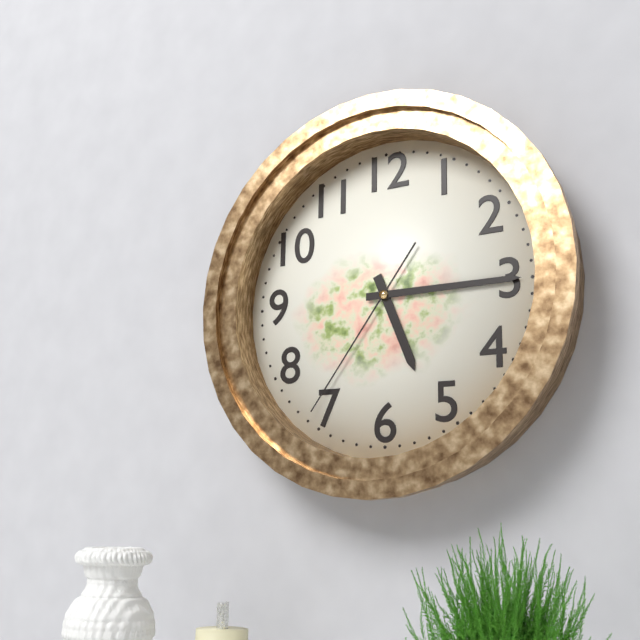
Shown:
5,15,36
